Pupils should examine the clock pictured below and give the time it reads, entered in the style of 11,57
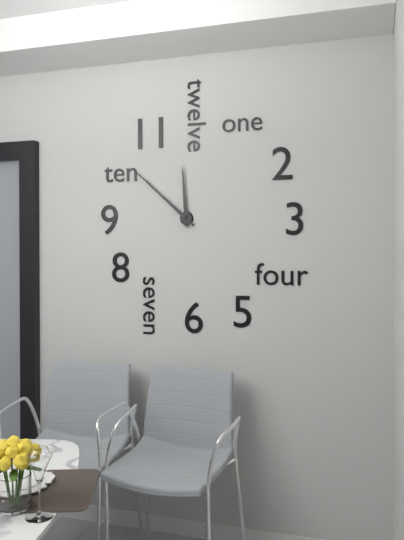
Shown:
11,52
